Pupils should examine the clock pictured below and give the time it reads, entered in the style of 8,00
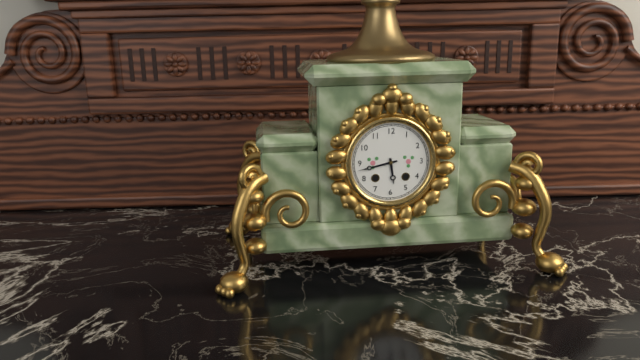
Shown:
5,43
